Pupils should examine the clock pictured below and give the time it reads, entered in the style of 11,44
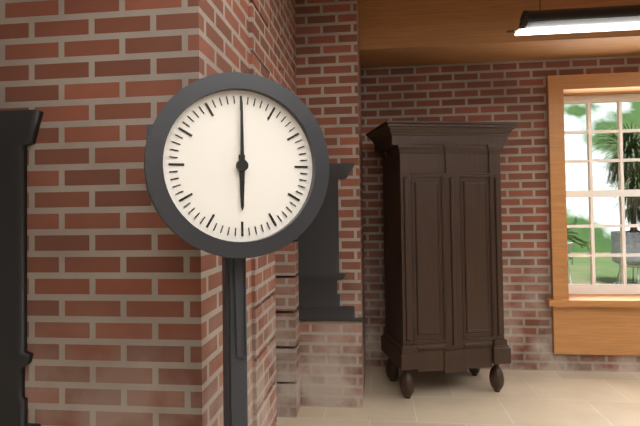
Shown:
6,00
